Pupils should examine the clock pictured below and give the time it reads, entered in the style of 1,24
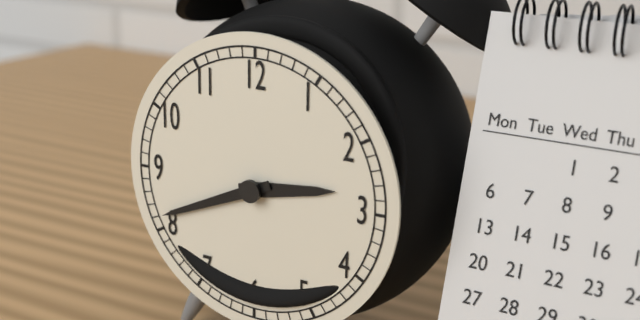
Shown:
2,41
